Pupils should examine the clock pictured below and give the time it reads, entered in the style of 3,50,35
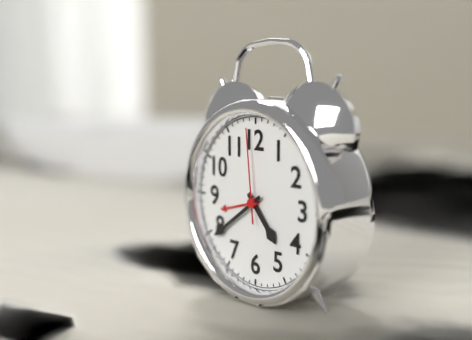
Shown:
4,39,59
